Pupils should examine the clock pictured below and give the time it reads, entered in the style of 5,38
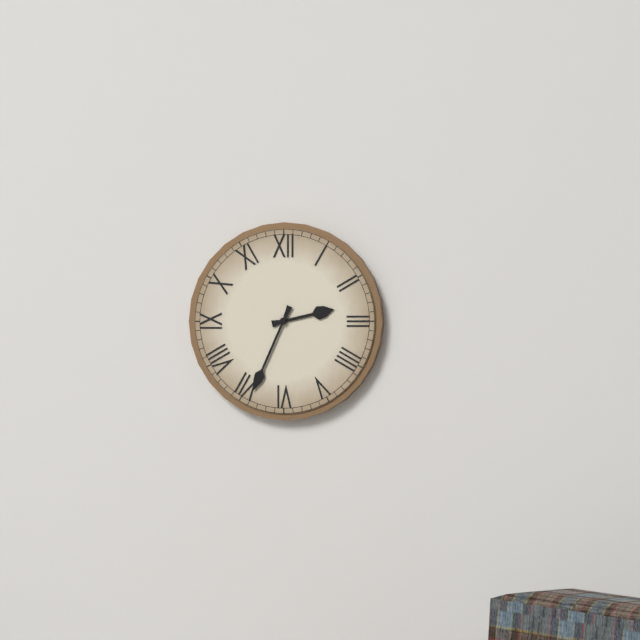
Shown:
2,34
